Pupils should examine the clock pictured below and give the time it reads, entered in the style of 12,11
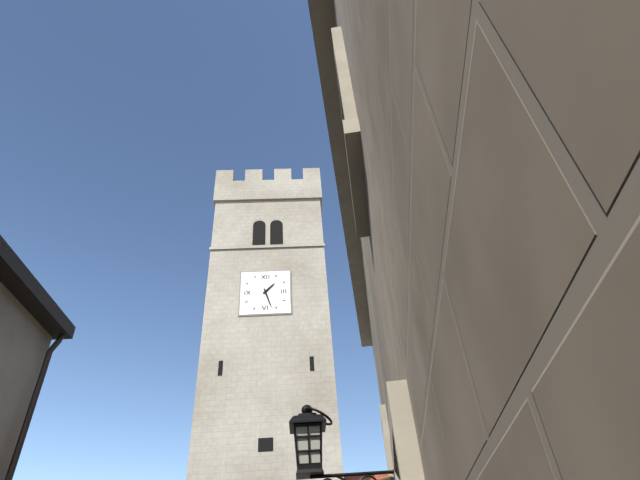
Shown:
1,27
